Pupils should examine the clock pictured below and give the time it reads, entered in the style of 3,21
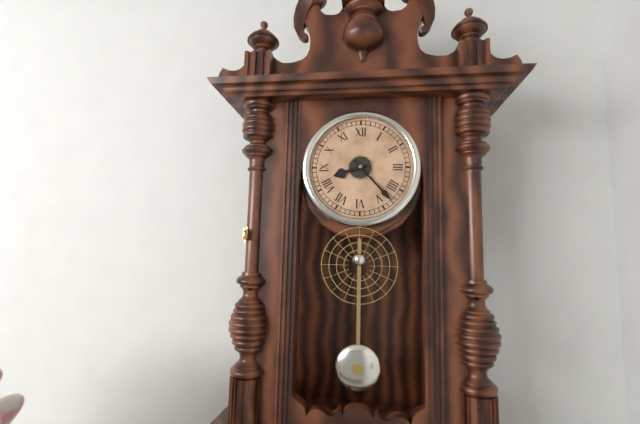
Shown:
8,23
